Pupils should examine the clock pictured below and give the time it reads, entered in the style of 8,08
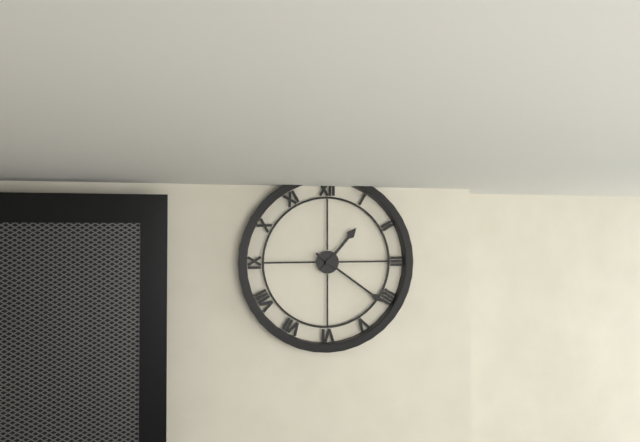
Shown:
1,21
